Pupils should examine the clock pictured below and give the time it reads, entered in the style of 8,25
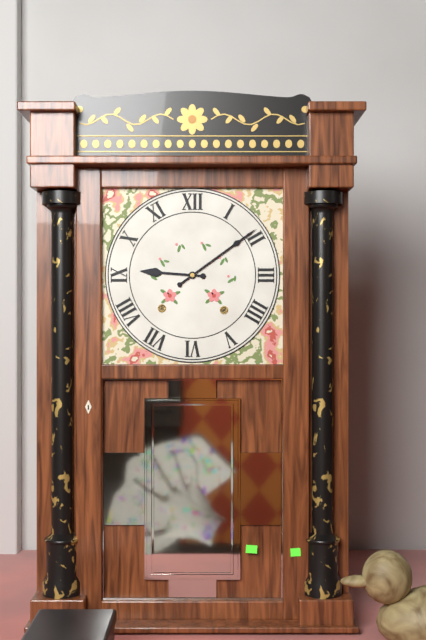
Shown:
9,09
